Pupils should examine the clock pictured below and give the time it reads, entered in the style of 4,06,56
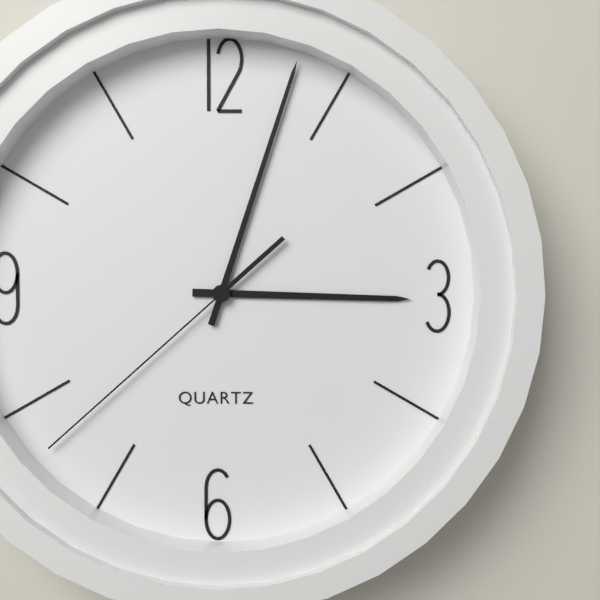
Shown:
3,03,38
